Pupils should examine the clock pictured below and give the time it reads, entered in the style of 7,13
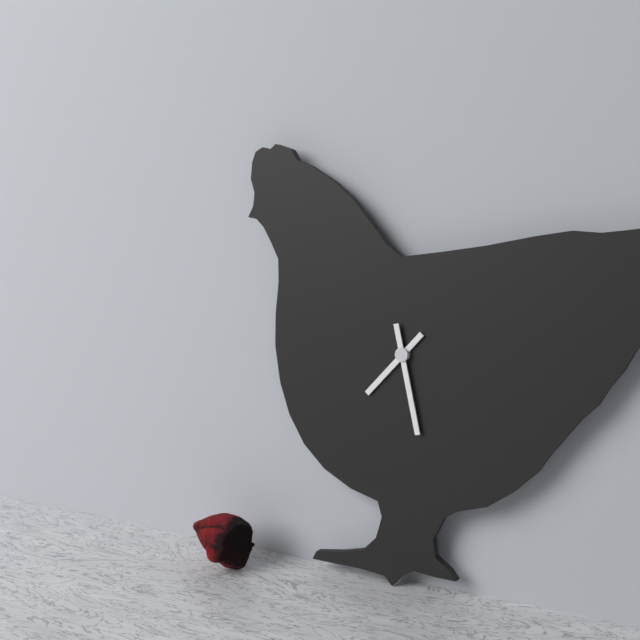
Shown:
7,28
